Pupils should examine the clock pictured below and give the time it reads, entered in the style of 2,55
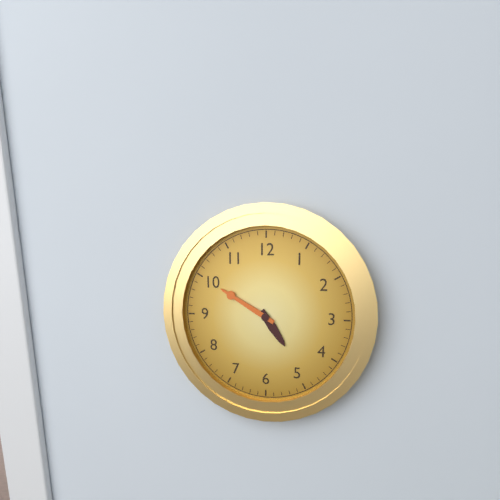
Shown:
4,50
